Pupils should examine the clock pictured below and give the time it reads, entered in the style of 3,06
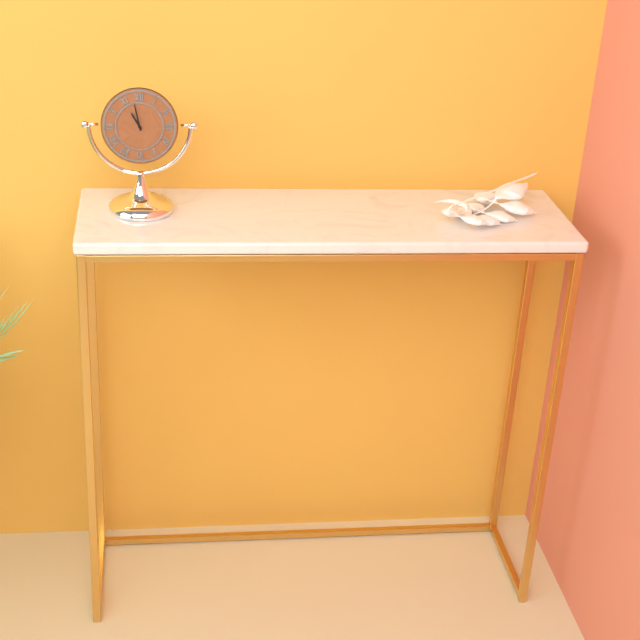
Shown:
10,58
